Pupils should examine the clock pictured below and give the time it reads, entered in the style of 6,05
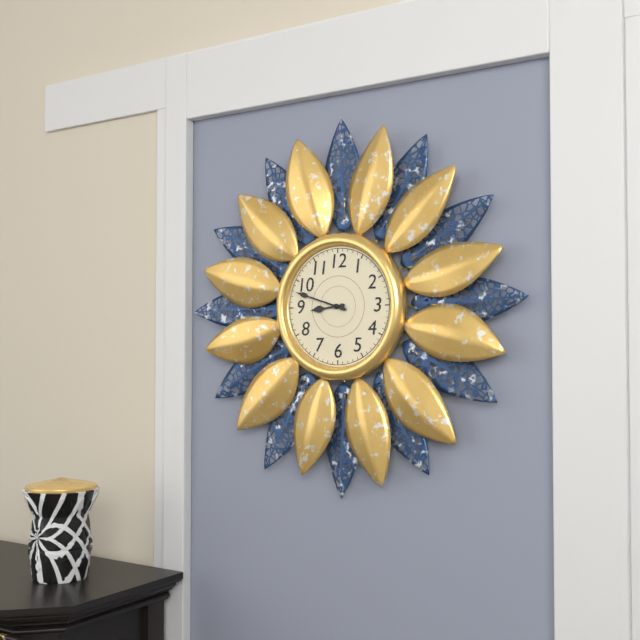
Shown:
8,48
